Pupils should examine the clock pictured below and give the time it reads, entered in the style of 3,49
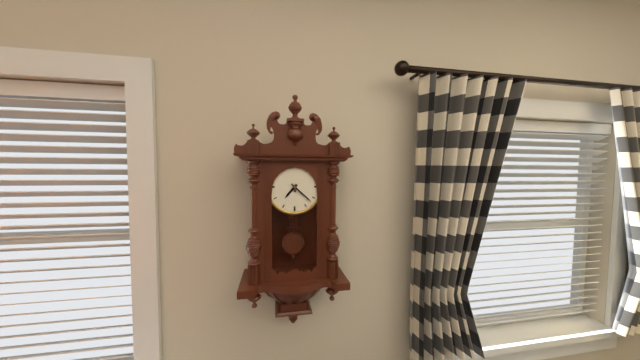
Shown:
7,22
